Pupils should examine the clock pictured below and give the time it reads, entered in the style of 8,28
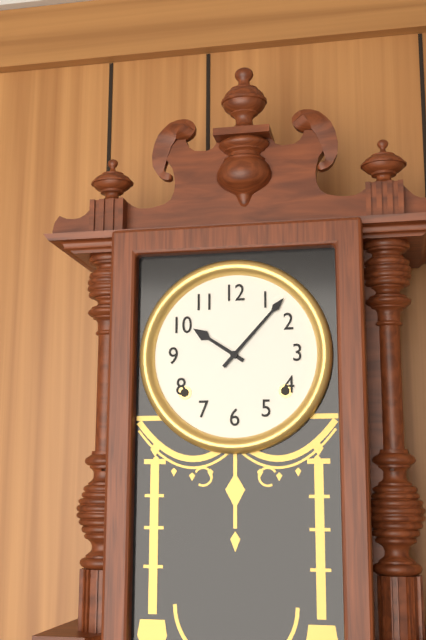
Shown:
10,07
